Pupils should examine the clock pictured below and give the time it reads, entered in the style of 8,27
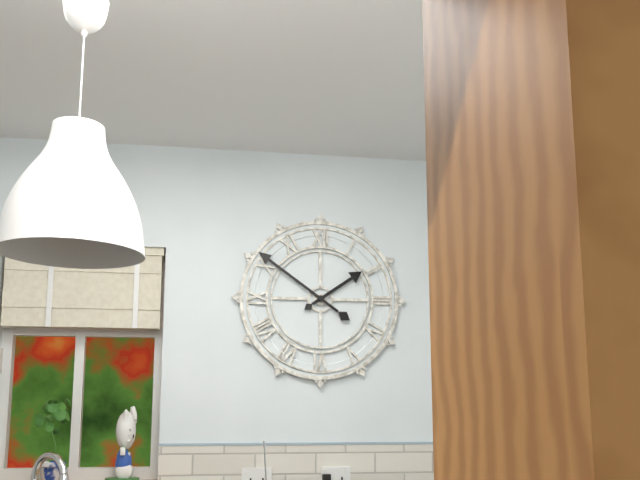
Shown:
1,51
